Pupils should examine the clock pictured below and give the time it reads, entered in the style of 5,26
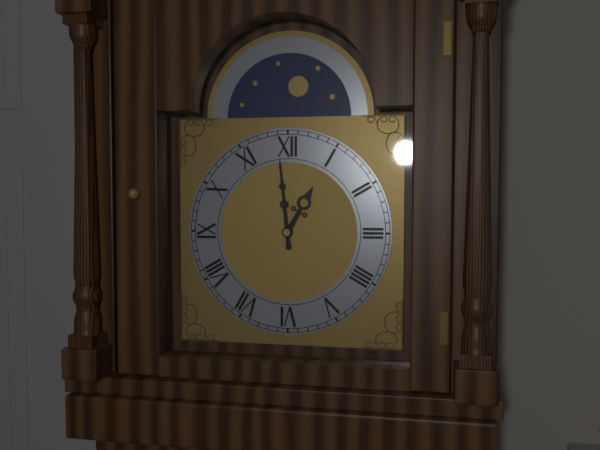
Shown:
12,59
